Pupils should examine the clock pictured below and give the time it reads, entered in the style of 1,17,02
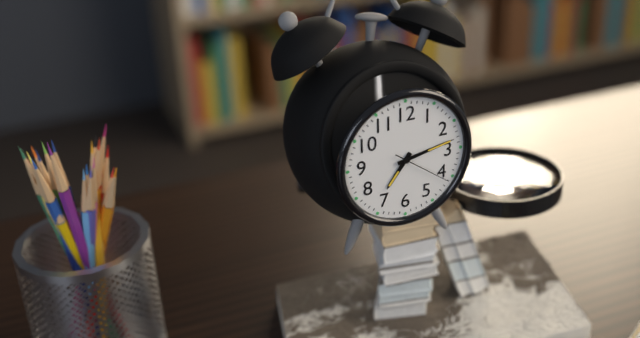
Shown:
7,13,21
